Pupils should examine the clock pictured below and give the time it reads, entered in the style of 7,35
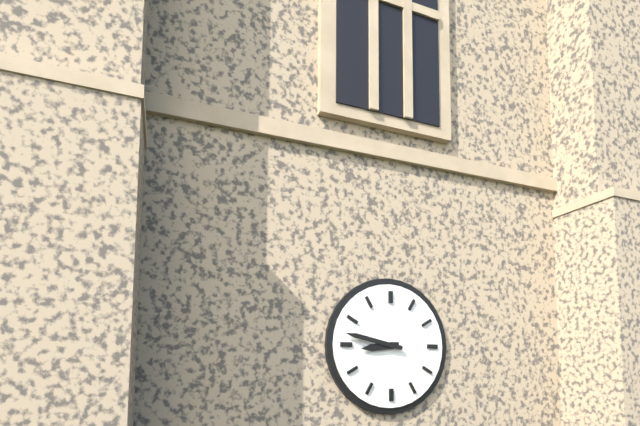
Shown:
8,47
